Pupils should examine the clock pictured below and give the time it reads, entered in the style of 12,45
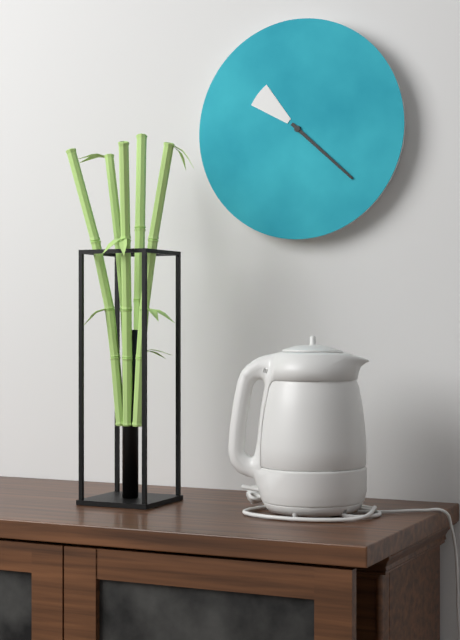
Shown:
10,22
